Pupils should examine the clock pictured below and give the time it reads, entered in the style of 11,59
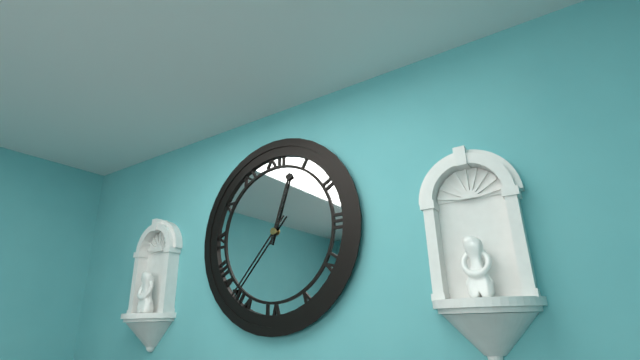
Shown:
12,37
